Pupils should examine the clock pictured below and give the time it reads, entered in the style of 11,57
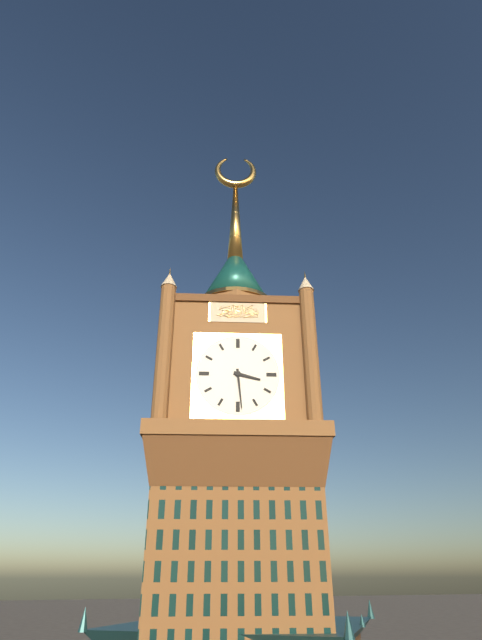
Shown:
3,29
